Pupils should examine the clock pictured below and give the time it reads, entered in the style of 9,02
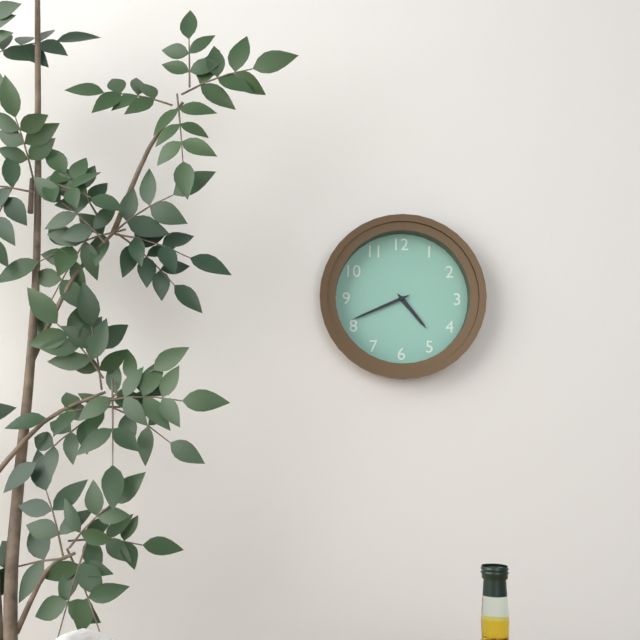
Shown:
4,41
